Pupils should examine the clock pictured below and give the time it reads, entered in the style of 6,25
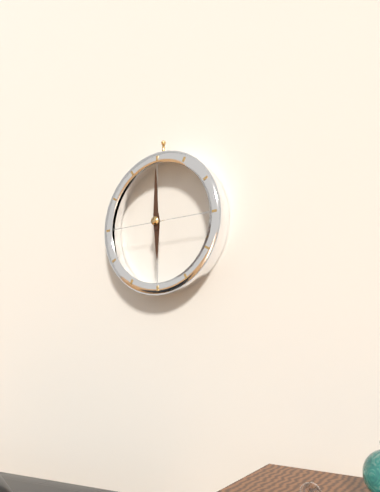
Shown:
6,00
